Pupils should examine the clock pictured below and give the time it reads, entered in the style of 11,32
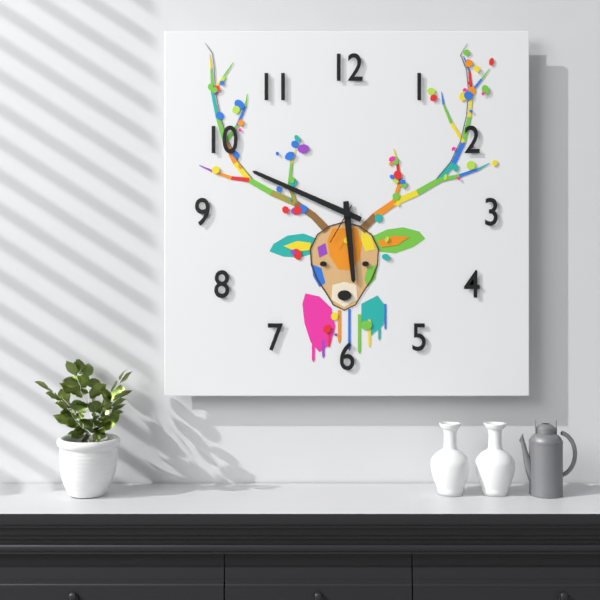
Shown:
5,49
